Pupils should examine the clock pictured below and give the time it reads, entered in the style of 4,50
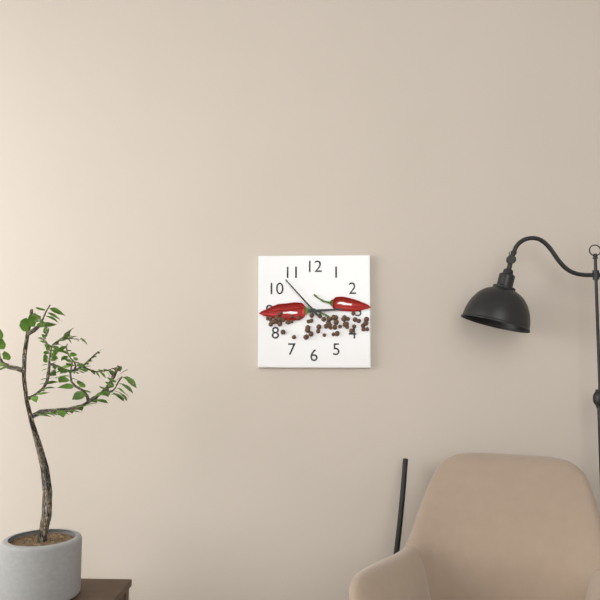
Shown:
2,53
